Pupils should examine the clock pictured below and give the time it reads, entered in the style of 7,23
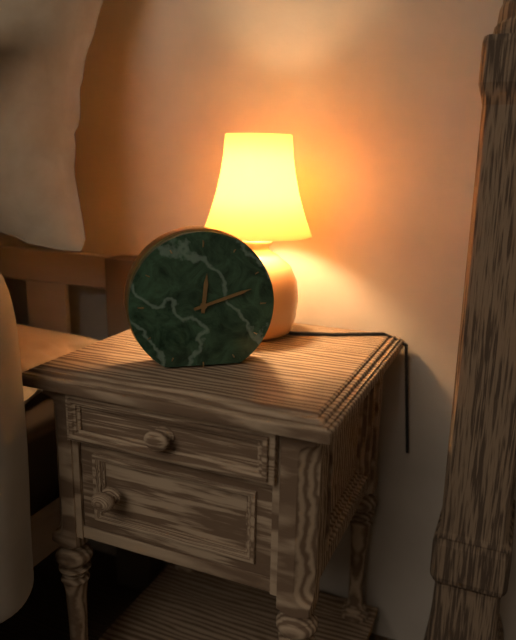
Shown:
12,12
